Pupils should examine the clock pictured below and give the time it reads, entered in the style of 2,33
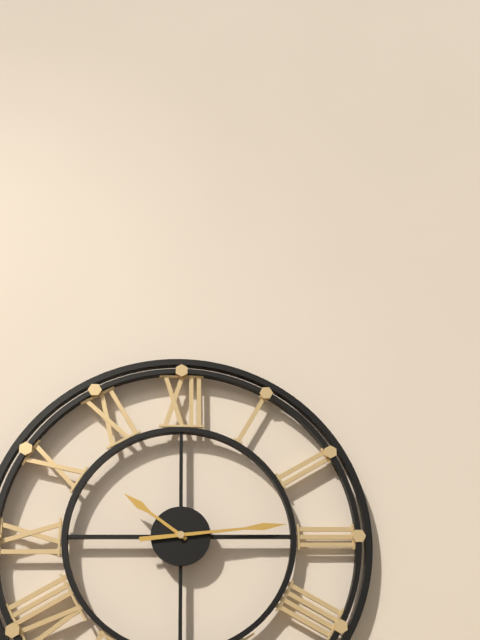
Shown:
10,14
